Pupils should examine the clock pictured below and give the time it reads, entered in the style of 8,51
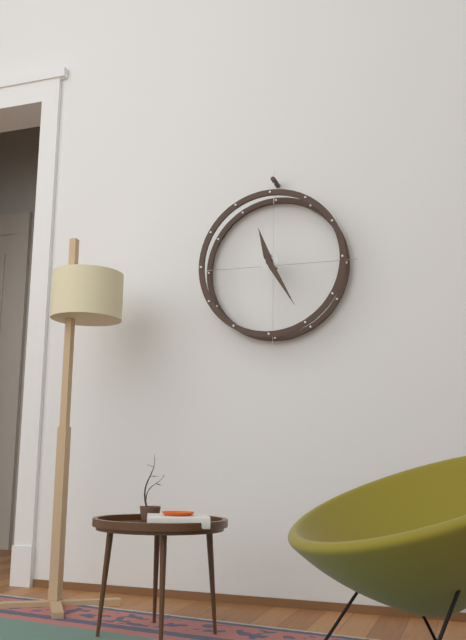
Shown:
11,25
